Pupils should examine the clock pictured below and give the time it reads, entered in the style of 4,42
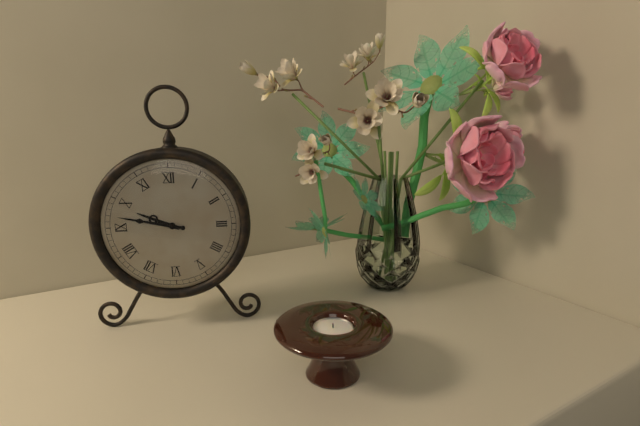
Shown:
9,47
